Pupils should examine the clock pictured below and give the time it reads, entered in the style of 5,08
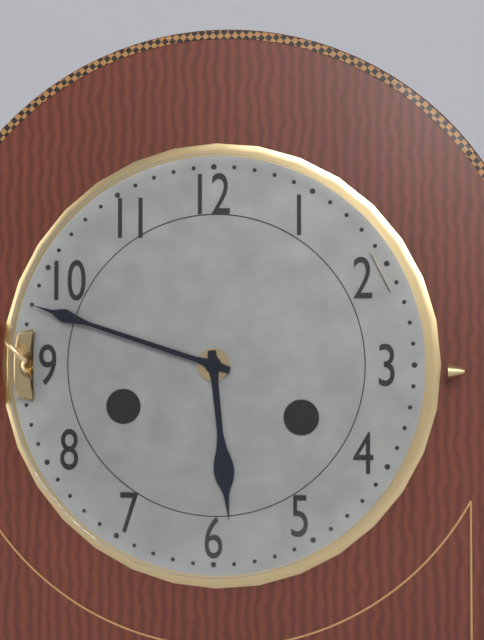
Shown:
5,48
